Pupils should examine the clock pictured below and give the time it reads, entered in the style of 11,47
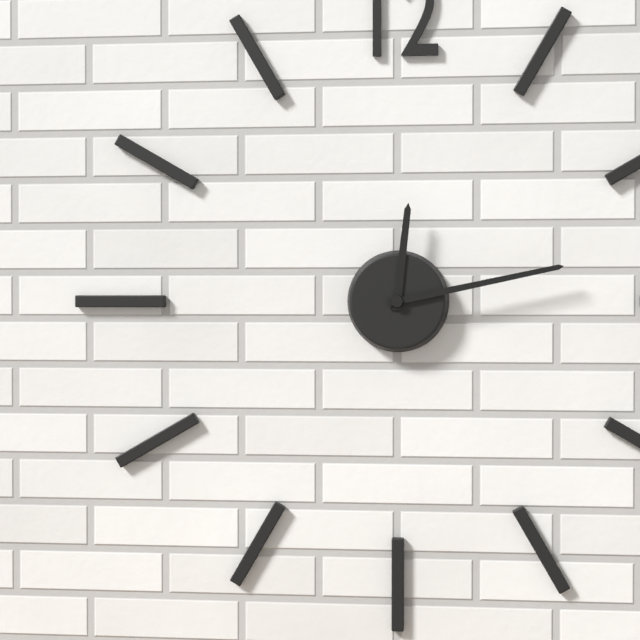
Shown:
12,13
